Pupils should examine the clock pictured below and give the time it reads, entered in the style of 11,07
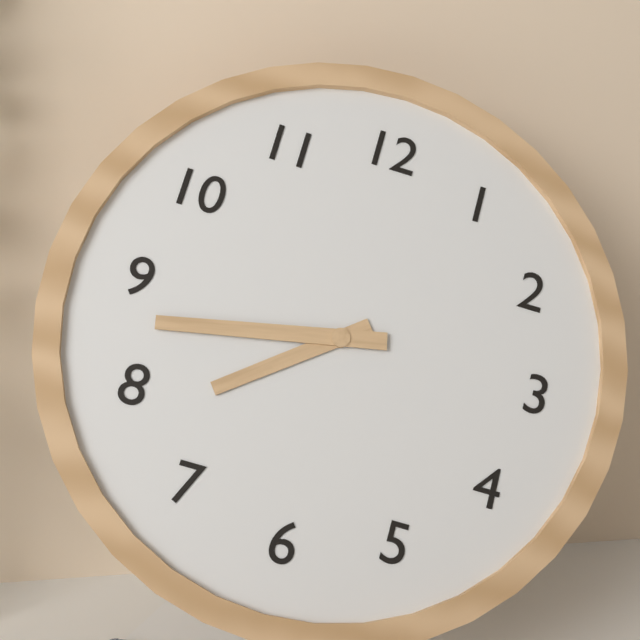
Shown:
7,43
